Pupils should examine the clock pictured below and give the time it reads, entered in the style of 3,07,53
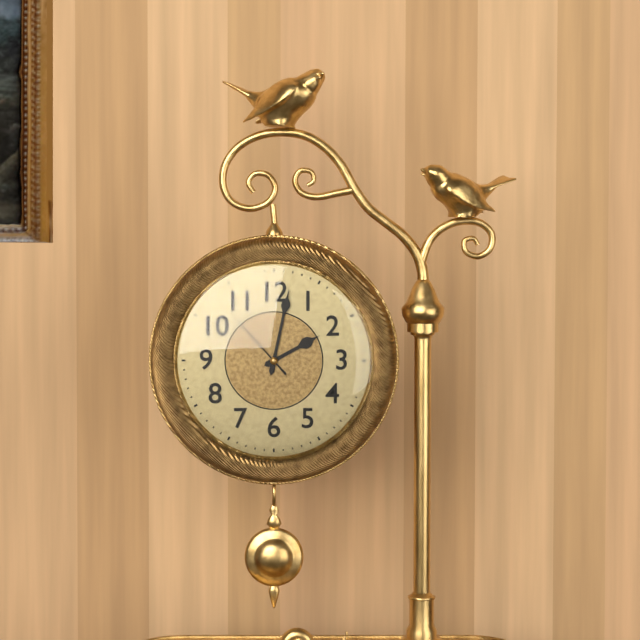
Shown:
2,02,53
